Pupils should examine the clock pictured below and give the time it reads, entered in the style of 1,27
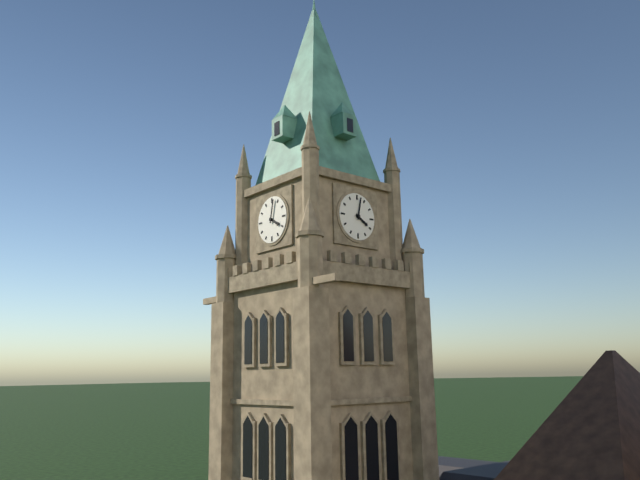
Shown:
4,02
